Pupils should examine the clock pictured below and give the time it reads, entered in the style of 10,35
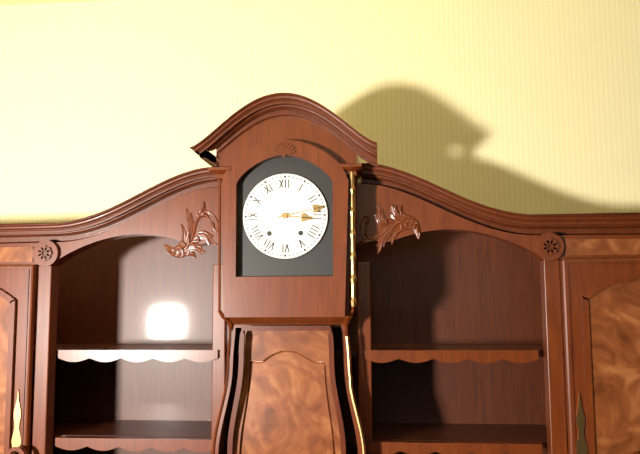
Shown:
3,13
